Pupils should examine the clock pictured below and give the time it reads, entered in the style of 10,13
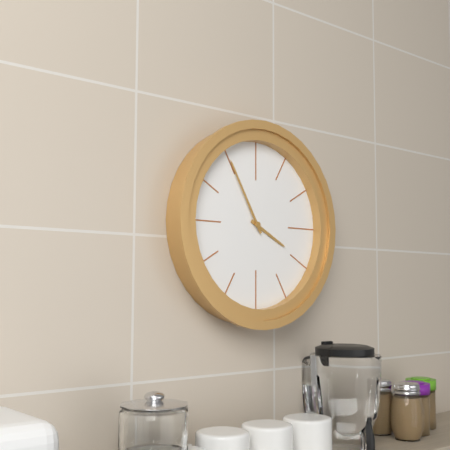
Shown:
3,55
